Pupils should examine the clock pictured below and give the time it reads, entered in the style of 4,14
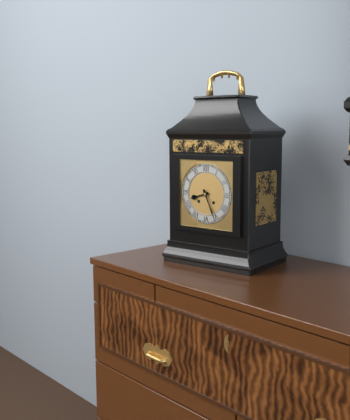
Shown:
8,26
